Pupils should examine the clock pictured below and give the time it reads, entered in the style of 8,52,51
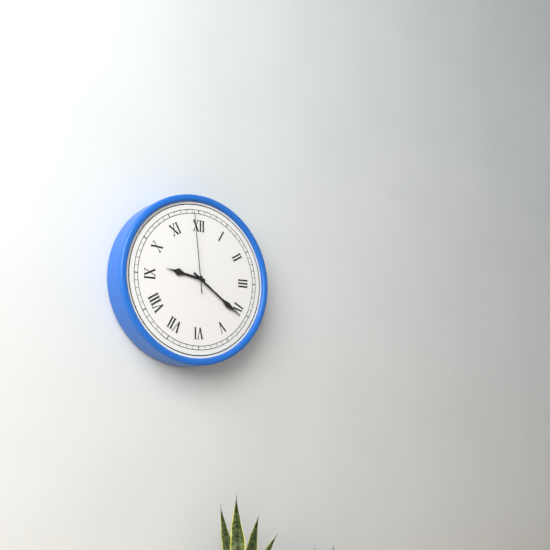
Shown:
9,21,59
